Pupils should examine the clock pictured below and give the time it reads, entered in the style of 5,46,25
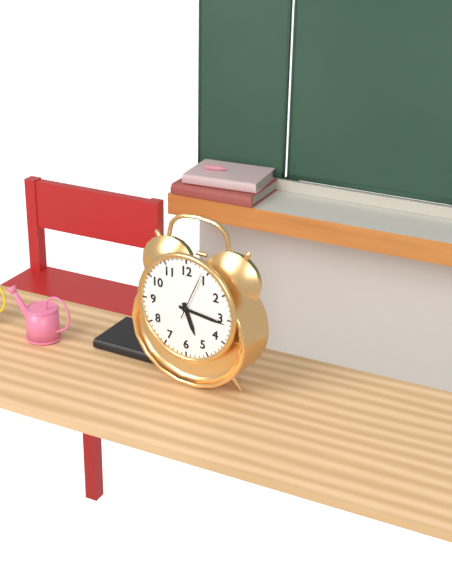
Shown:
5,16,04
